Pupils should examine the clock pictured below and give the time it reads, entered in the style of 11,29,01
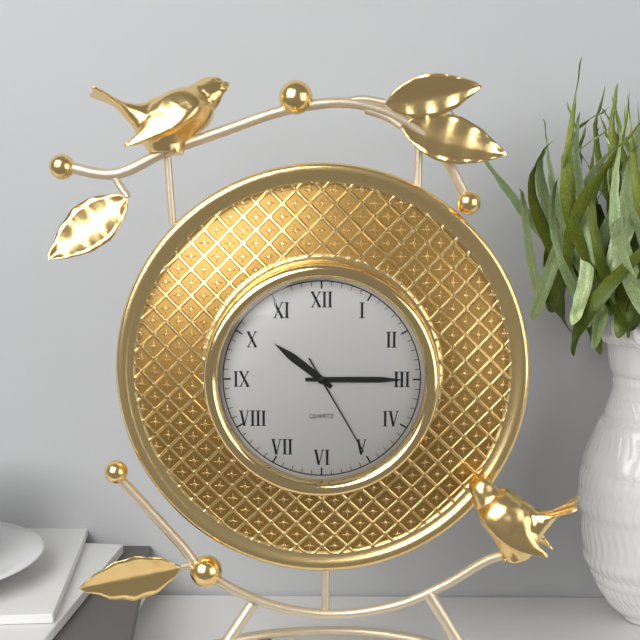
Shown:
10,15,25
